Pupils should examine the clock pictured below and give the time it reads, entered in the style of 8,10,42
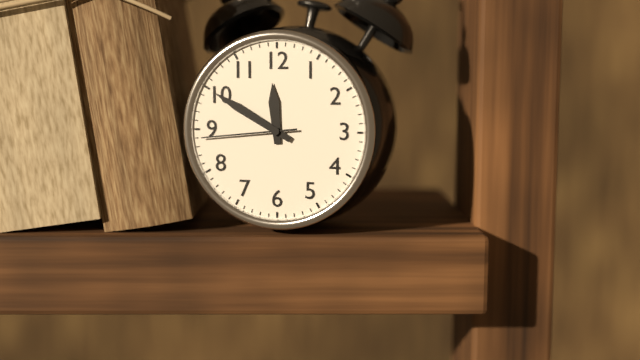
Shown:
11,50,44
